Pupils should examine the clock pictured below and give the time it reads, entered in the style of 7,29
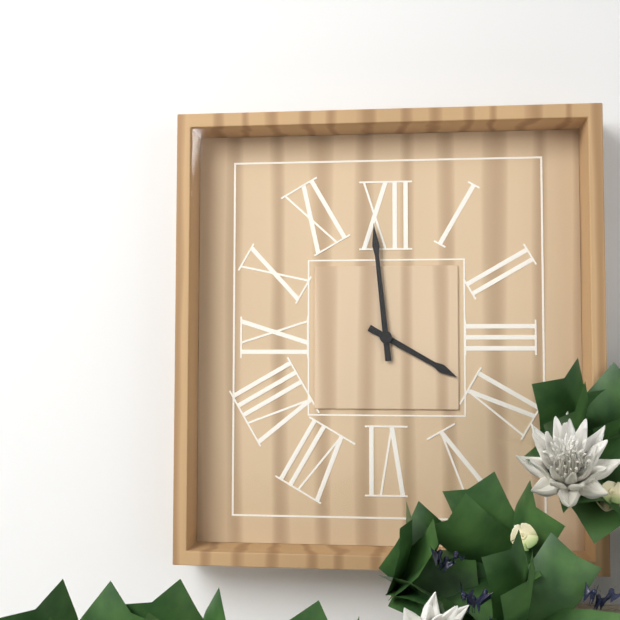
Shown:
3,59
